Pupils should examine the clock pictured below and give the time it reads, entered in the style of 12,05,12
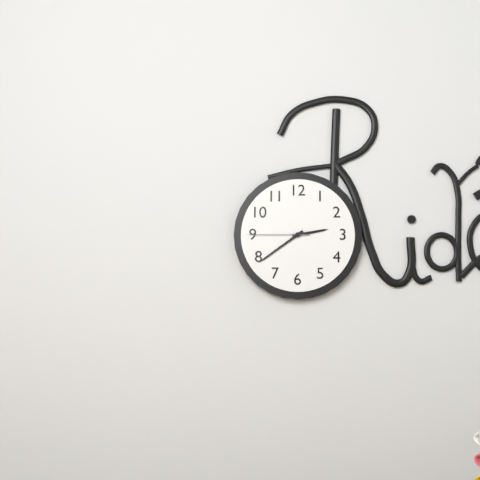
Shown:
2,39,45
